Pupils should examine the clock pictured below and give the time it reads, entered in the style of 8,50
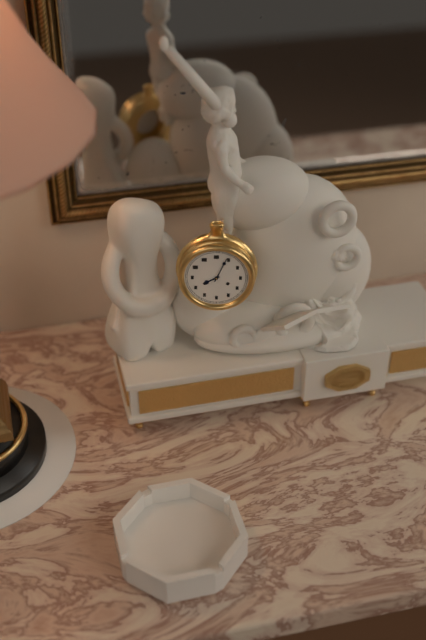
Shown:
8,04
